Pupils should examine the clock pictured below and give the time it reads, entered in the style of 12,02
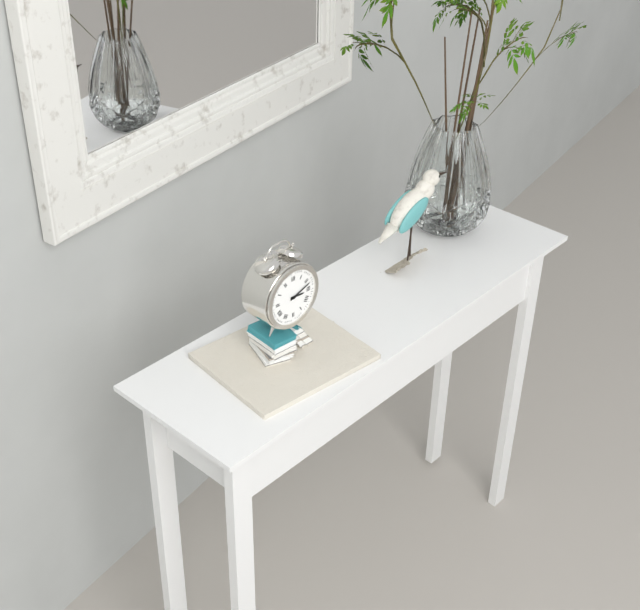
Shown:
3,12
